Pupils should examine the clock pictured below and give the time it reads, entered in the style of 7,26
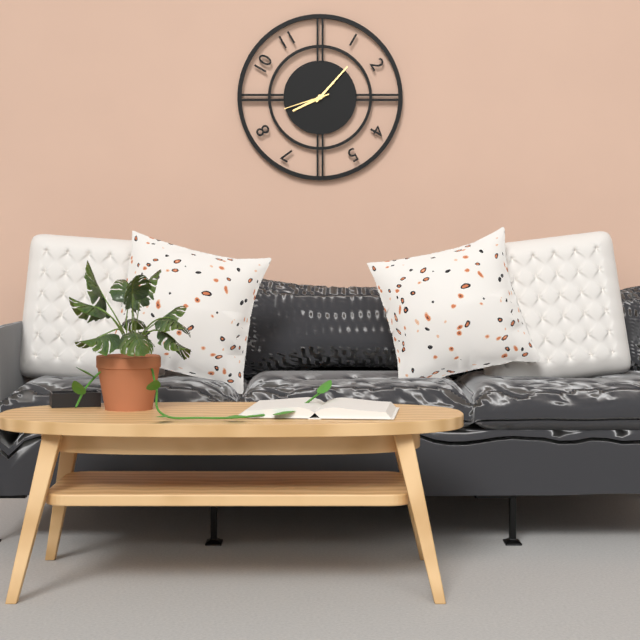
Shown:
8,07
